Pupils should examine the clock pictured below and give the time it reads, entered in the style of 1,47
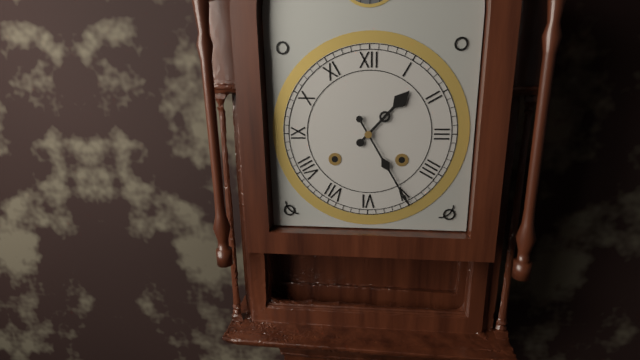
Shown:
1,25
